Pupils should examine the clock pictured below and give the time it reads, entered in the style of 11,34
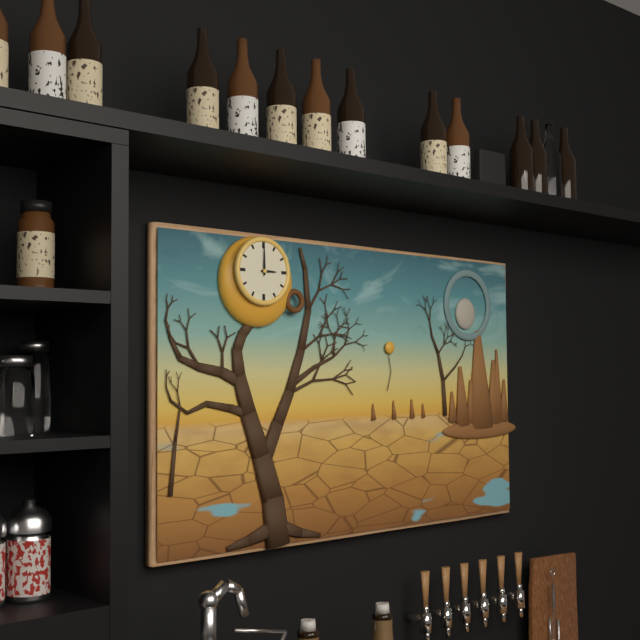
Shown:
3,00
